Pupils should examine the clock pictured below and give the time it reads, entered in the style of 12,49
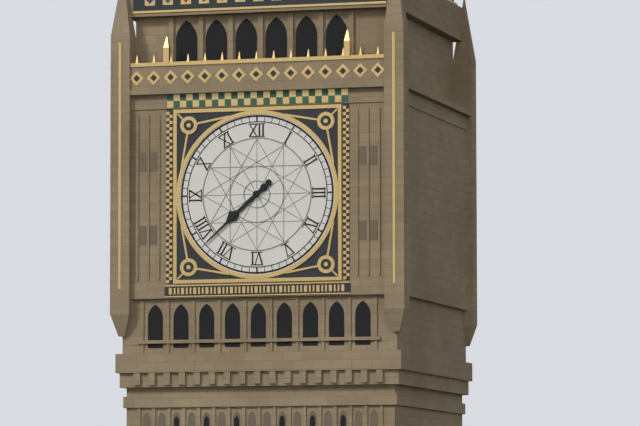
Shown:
7,38
